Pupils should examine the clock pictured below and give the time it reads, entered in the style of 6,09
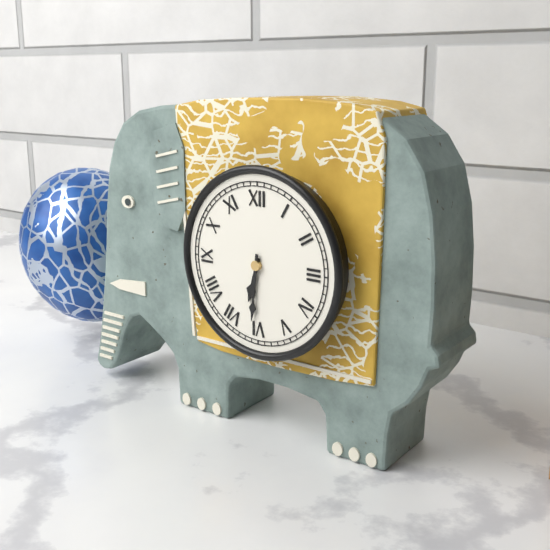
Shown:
6,31
